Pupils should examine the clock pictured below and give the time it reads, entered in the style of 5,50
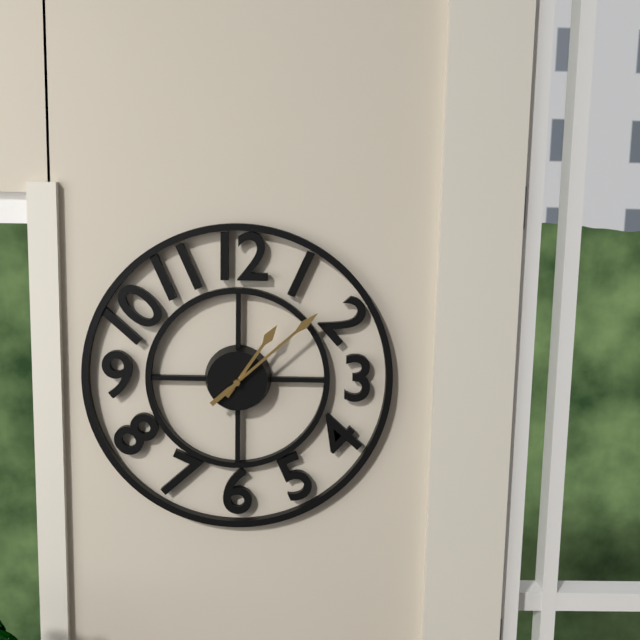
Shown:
1,08
